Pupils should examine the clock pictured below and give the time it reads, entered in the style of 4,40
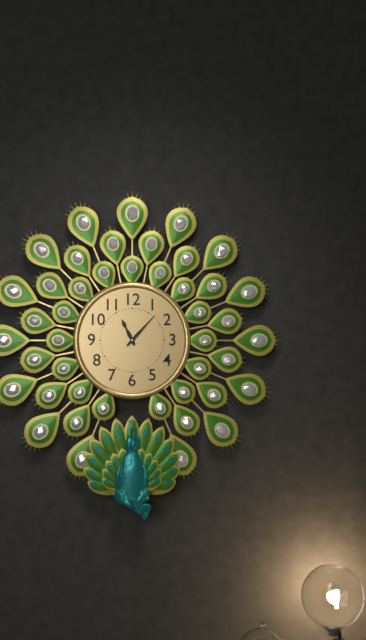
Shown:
11,07
